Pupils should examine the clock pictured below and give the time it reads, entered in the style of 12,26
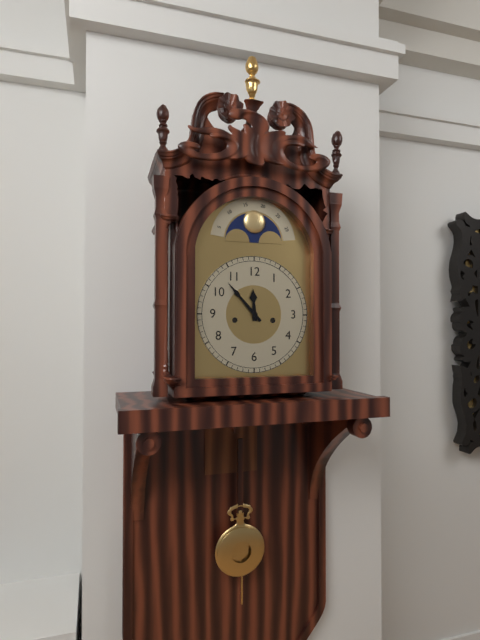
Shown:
11,53
